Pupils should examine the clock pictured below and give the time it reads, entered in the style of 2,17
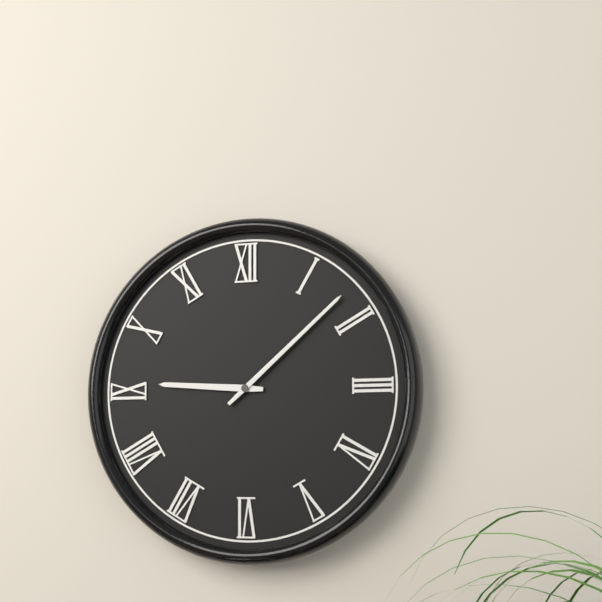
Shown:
9,08
